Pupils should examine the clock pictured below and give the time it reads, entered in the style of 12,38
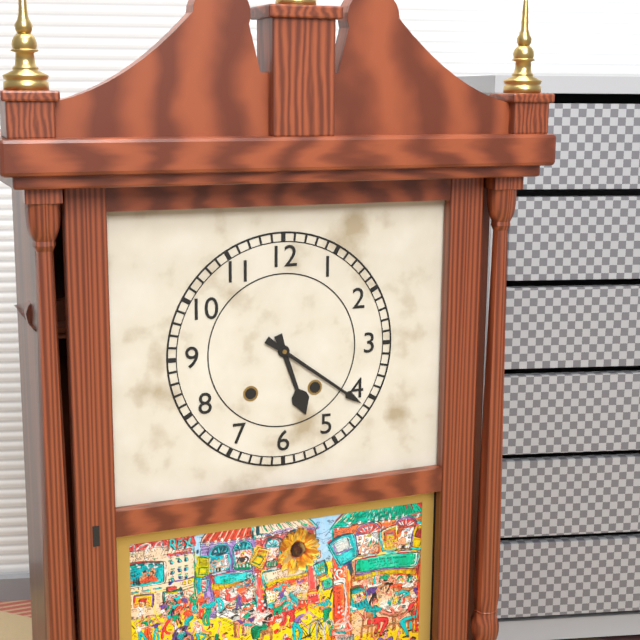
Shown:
5,21
